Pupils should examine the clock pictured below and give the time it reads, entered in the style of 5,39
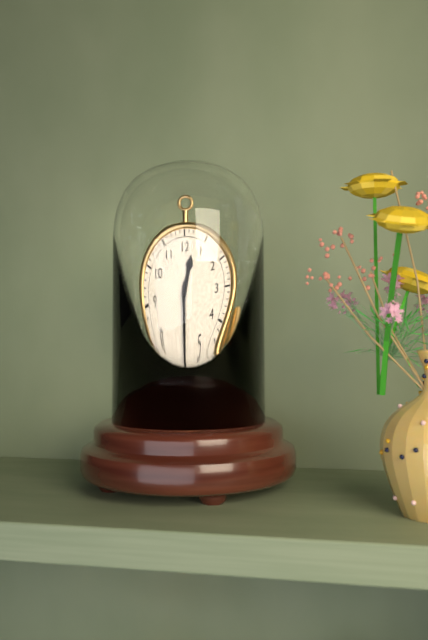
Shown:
12,30
